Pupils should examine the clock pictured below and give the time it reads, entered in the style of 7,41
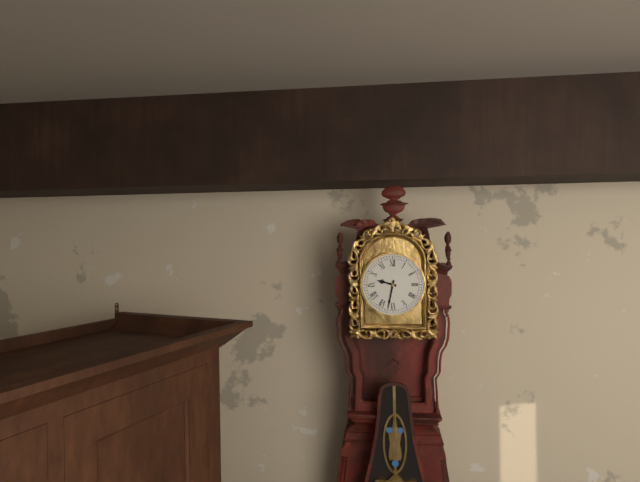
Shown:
9,32
